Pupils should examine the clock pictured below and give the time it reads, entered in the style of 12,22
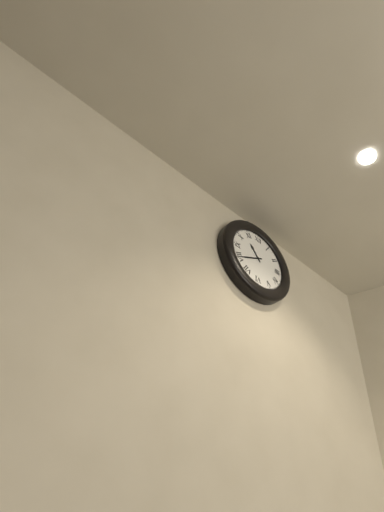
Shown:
10,40
